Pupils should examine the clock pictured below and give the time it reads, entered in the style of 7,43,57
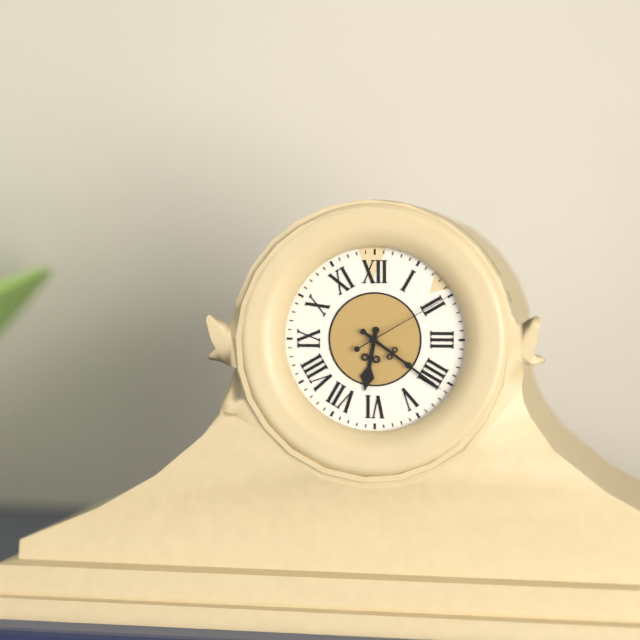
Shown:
6,21,10
